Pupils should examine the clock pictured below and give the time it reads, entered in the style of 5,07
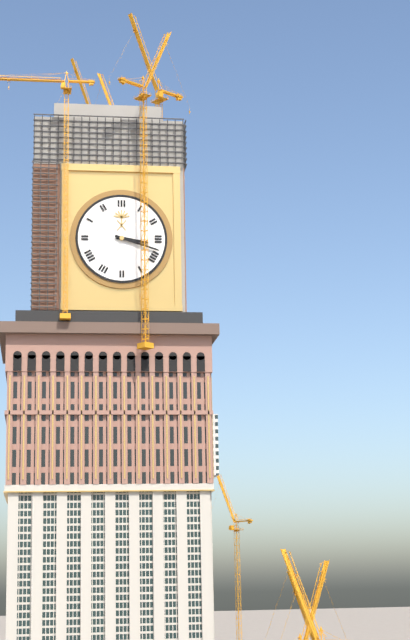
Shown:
3,18
